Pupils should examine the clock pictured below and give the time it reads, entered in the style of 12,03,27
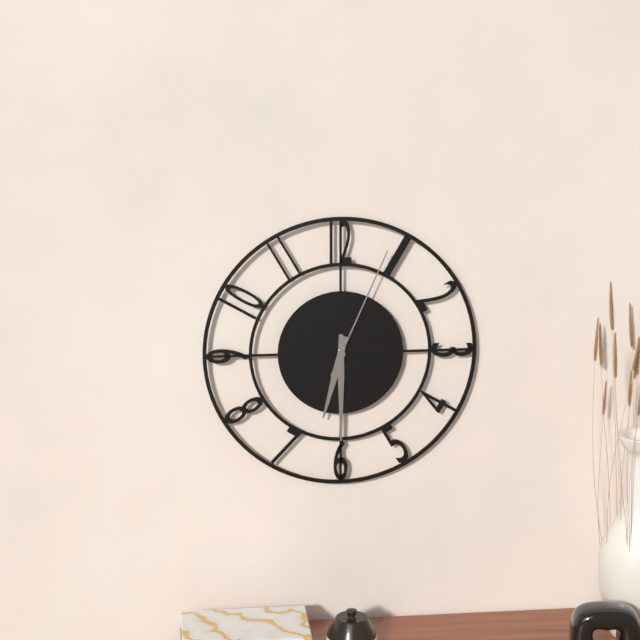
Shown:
6,30,04
